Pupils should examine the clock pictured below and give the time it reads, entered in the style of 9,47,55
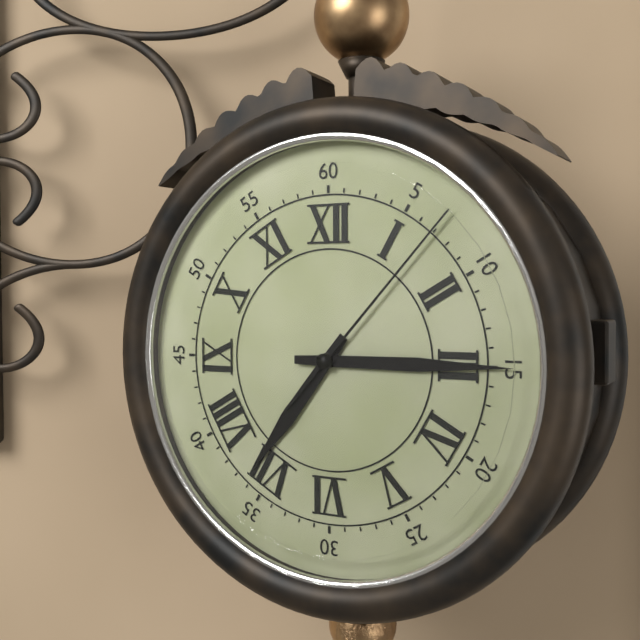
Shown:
7,15,07
